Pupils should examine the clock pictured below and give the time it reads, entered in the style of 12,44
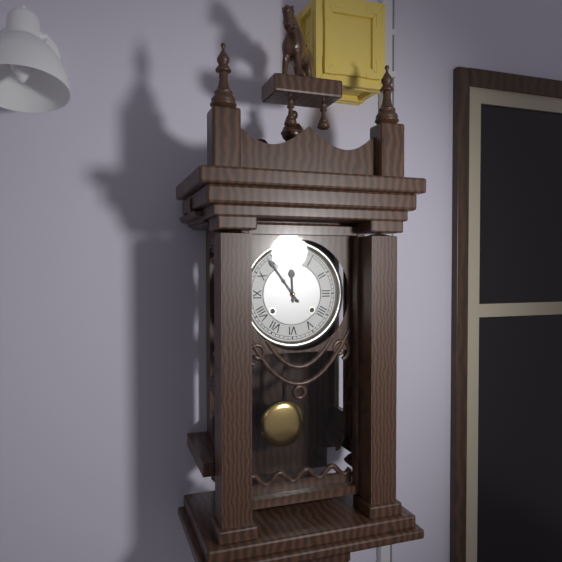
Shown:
11,54
